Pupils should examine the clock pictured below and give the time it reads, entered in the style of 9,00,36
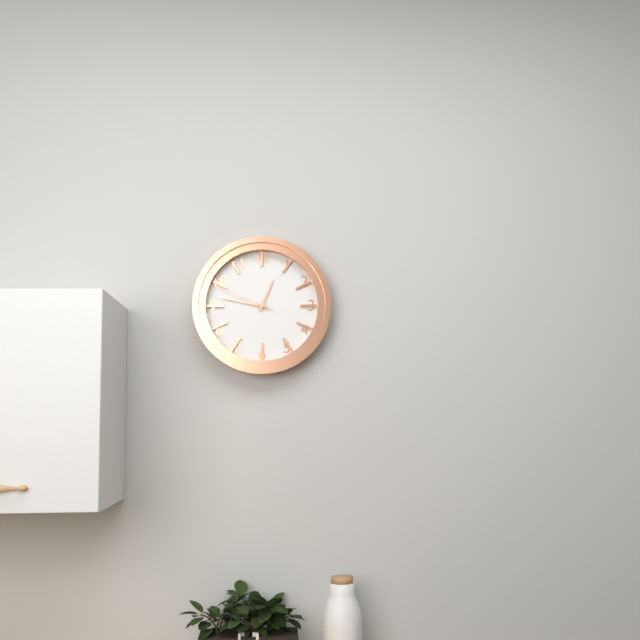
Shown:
12,47,49
